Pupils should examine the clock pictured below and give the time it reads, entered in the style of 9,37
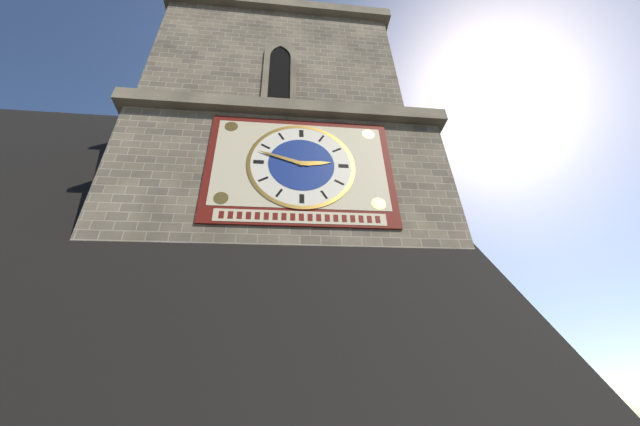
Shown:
2,48
